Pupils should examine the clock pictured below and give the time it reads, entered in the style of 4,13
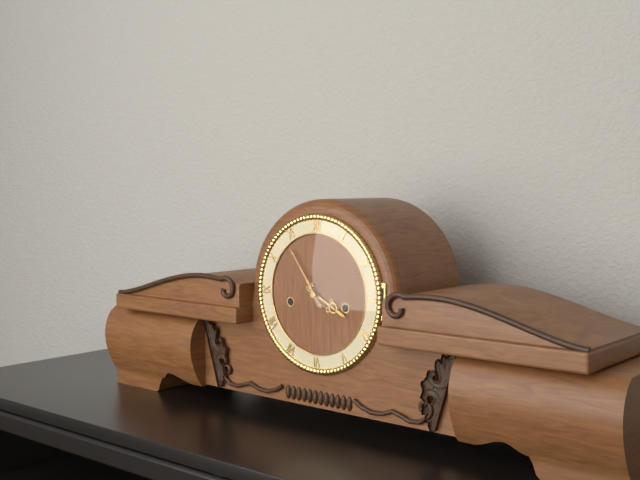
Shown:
3,54
